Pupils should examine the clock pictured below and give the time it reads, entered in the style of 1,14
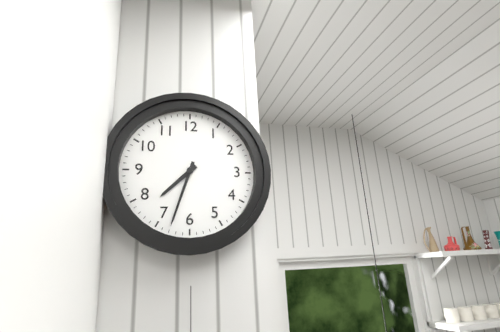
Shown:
7,33
